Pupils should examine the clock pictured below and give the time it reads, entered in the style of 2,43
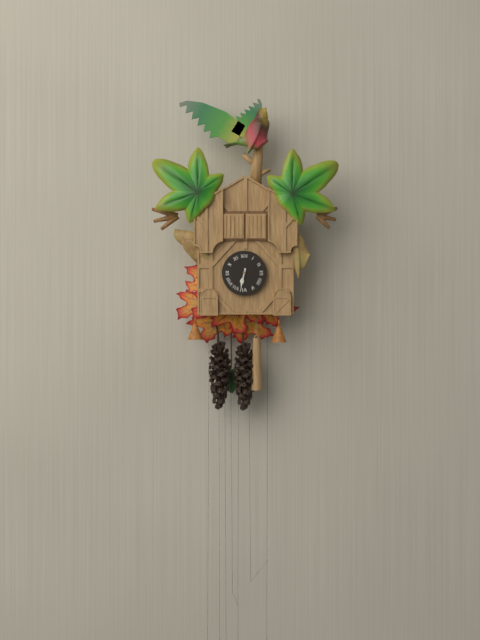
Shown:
6,32
